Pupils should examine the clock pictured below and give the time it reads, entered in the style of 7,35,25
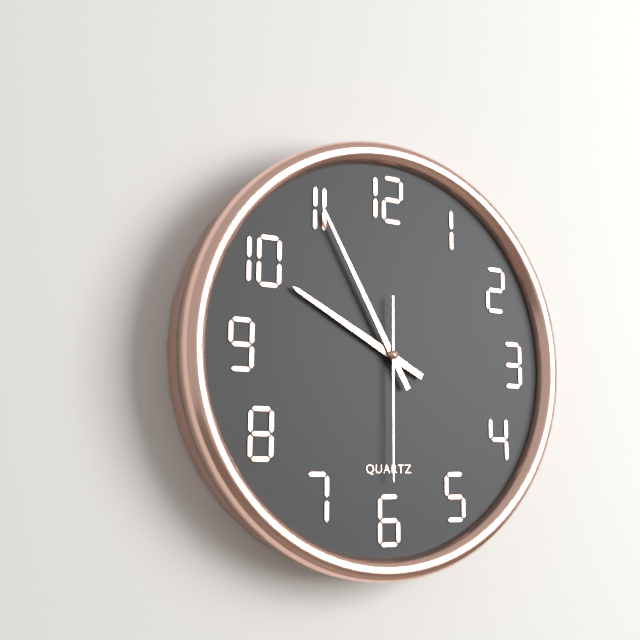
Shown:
9,55,30
